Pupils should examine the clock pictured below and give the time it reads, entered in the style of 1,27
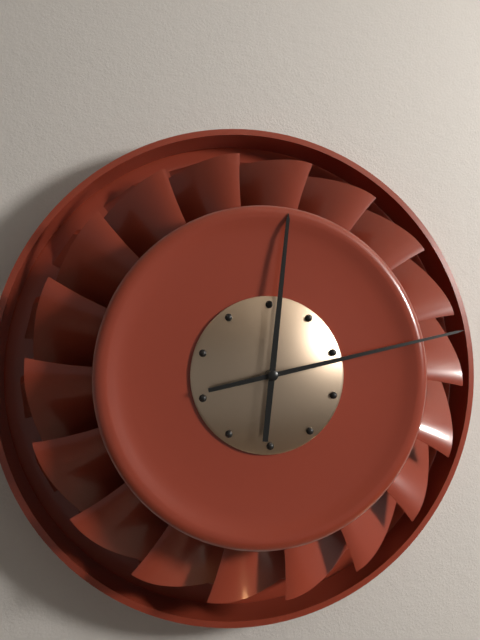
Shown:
12,13
